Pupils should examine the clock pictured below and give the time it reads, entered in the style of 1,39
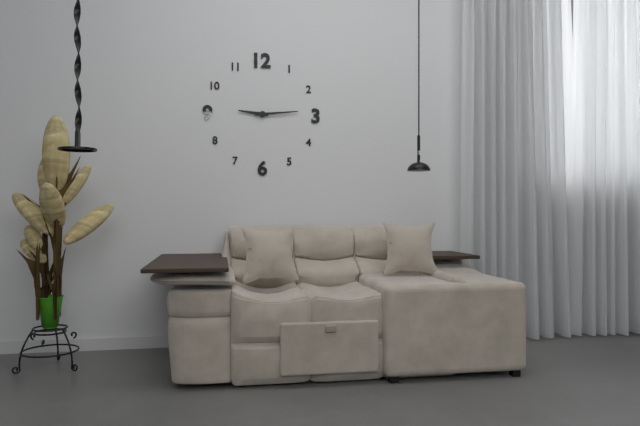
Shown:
9,14
